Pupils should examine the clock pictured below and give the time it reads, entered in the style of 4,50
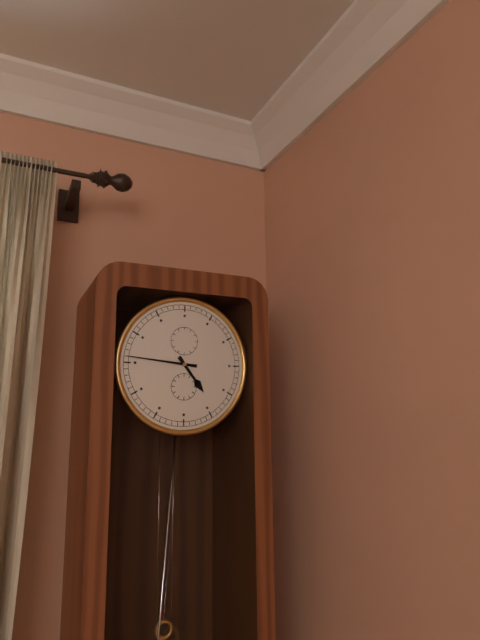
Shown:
4,46
